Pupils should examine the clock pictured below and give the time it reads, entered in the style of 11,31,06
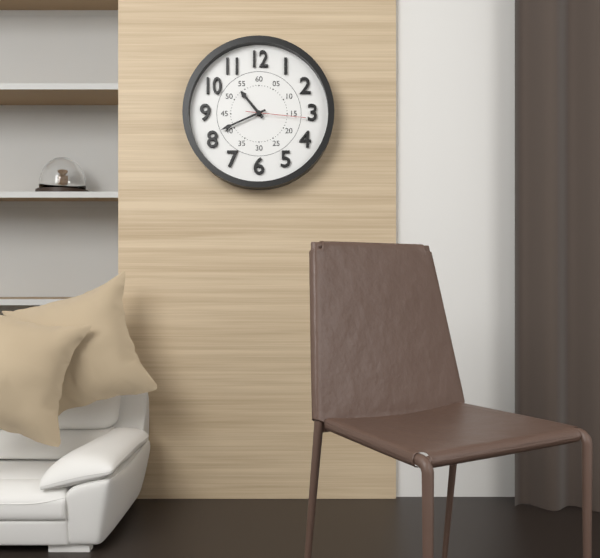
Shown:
10,41,16
